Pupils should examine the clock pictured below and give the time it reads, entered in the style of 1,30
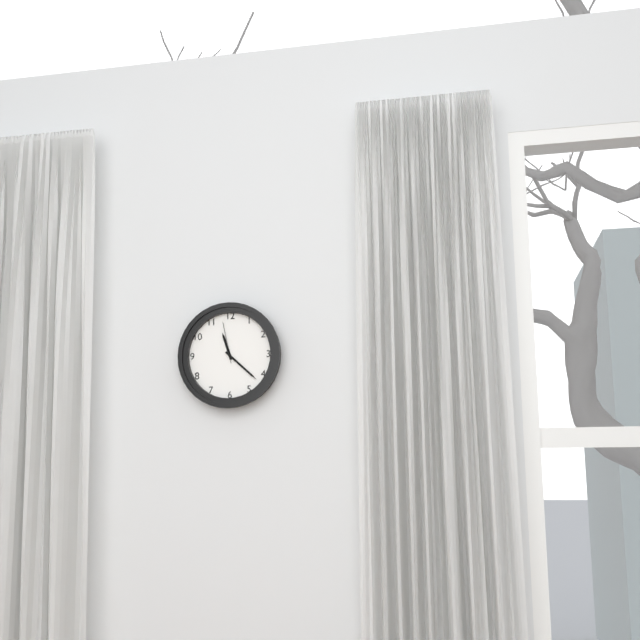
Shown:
11,22
